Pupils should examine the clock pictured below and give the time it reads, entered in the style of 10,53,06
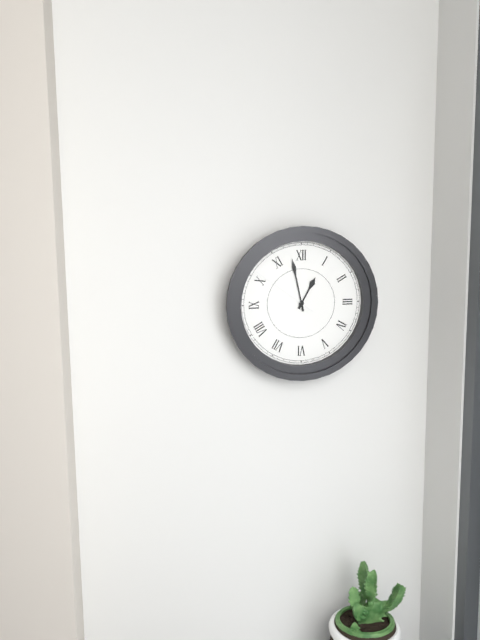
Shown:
12,58,51
